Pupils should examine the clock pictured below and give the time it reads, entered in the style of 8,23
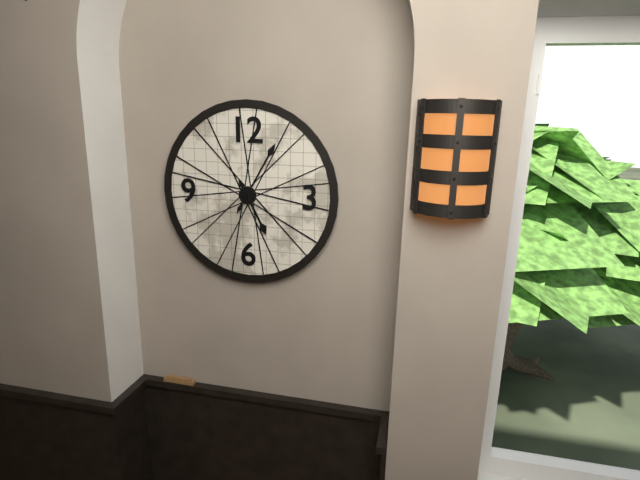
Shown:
5,05
